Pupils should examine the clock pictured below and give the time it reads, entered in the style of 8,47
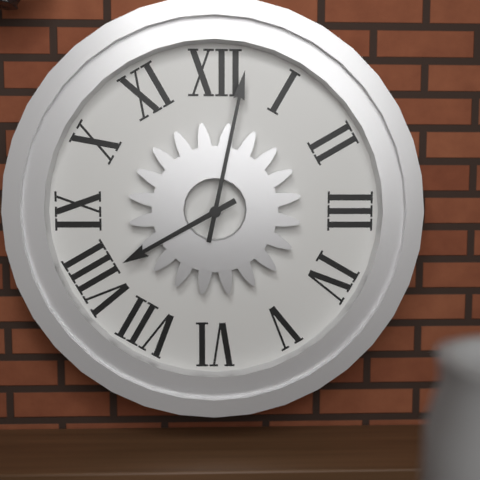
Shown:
8,02
